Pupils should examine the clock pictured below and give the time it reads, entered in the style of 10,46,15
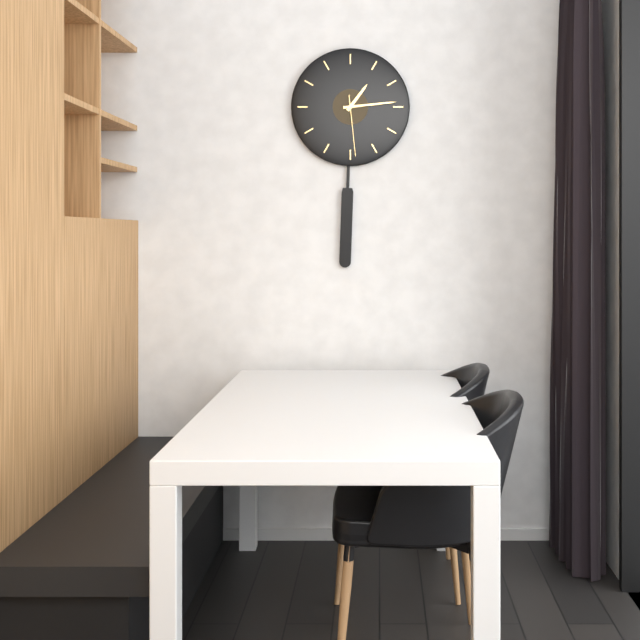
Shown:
1,14,29
